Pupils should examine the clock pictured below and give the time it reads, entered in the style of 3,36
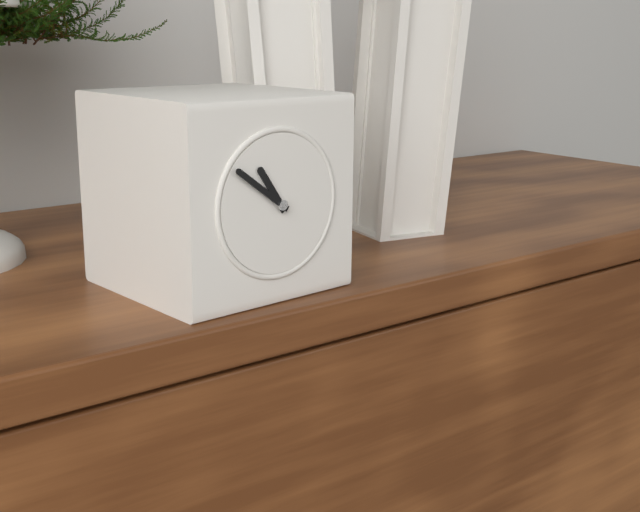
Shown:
10,51
